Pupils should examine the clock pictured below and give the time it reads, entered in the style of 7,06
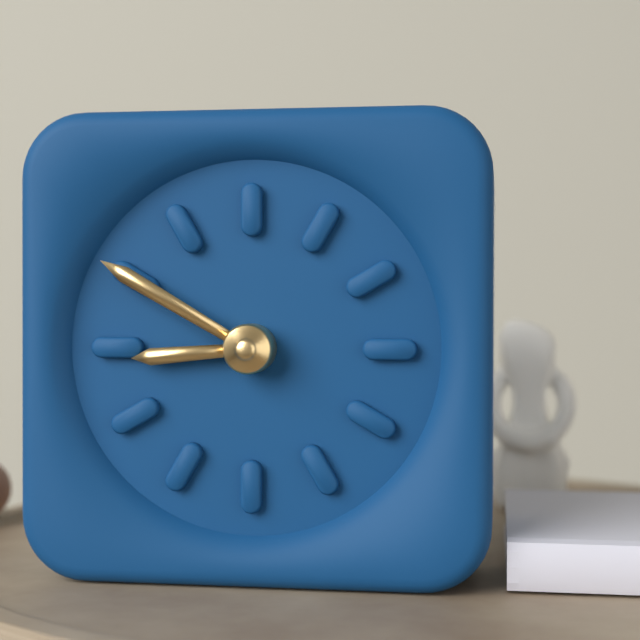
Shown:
8,50
